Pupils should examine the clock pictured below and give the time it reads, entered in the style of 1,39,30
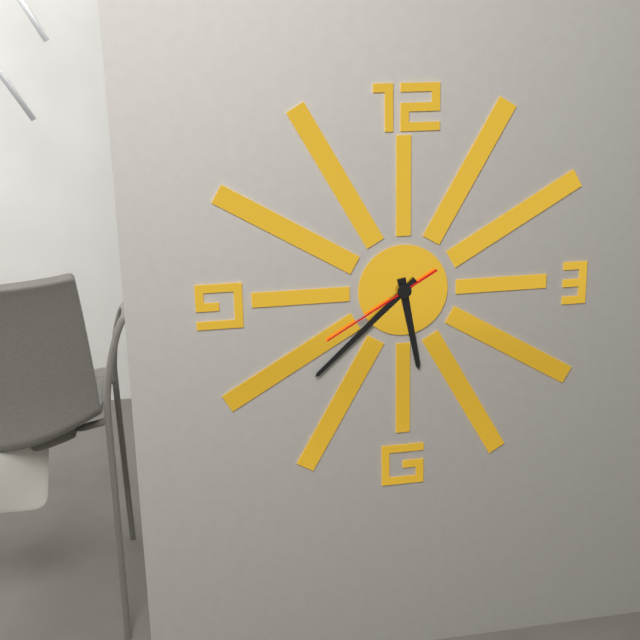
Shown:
5,38,40
